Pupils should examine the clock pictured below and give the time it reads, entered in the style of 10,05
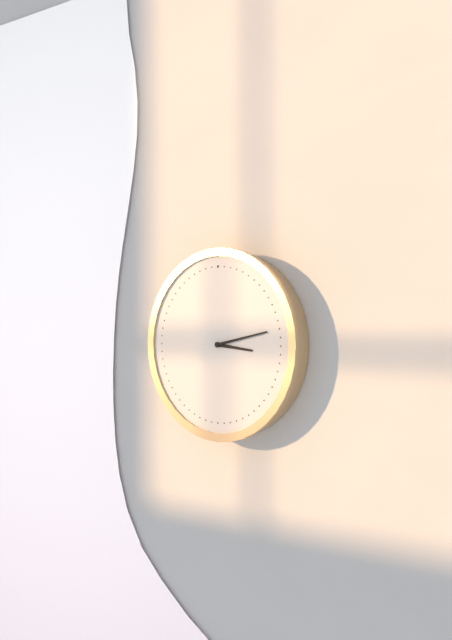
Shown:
3,13
